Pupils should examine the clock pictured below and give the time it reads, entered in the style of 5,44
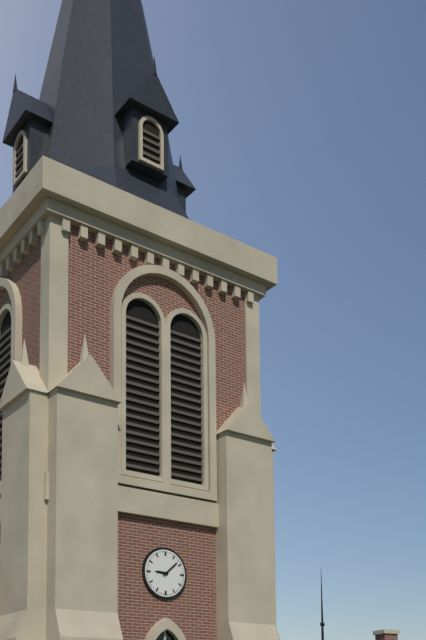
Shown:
9,08
